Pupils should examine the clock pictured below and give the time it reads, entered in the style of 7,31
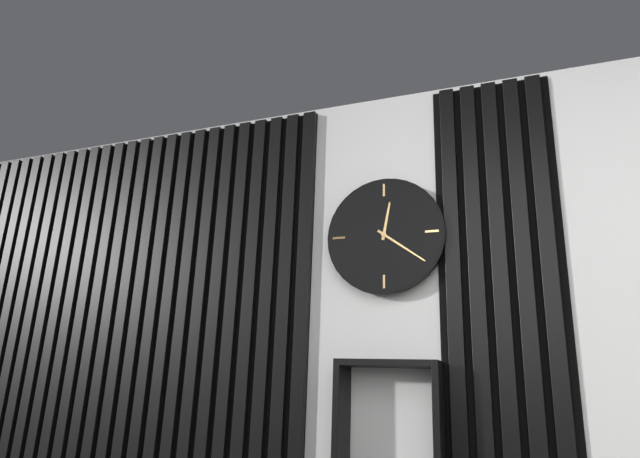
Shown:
12,21
